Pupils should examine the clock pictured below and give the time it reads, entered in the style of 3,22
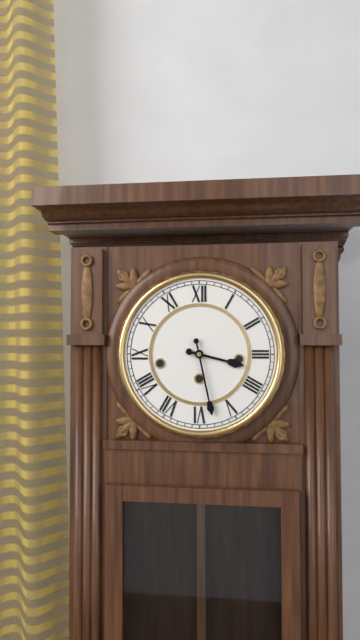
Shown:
3,28
